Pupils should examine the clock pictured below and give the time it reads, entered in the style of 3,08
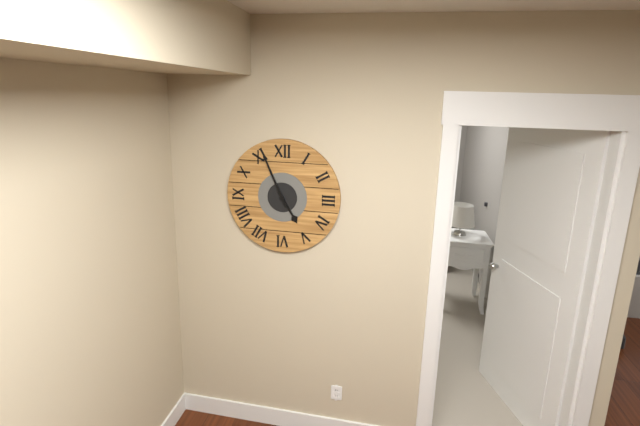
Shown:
4,56
